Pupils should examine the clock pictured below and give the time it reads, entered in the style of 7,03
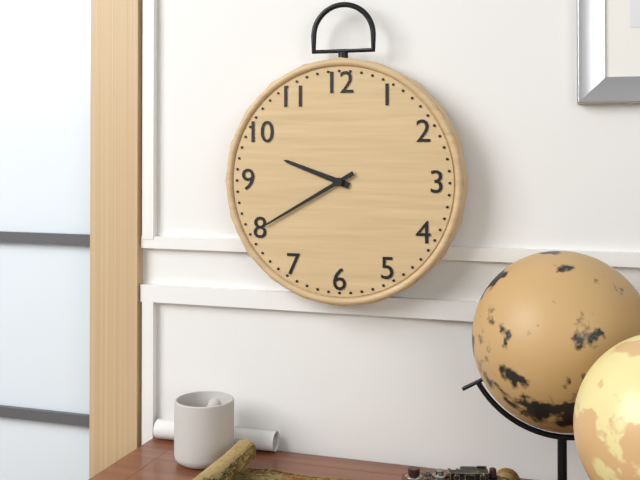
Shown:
9,40
